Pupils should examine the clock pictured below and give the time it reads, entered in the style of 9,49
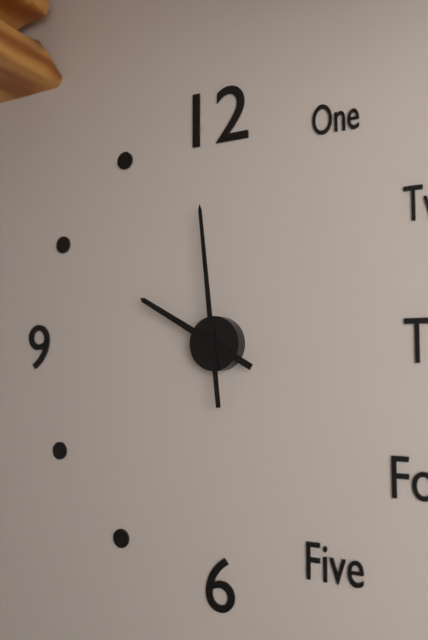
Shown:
9,59
